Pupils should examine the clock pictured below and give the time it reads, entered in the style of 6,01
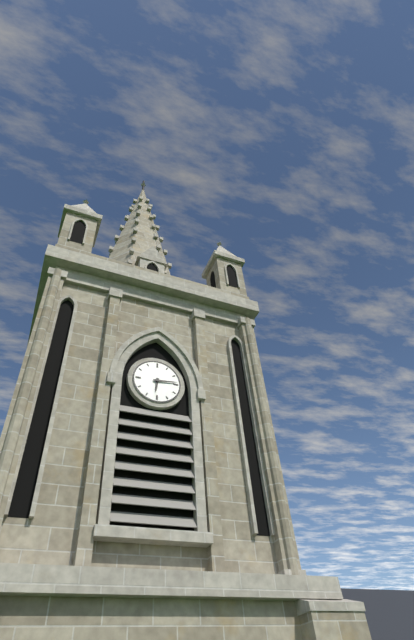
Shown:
6,14
